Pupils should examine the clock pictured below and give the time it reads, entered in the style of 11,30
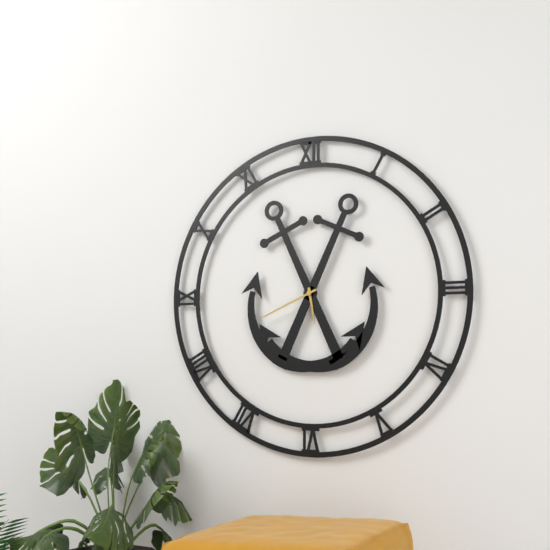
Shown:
5,41
